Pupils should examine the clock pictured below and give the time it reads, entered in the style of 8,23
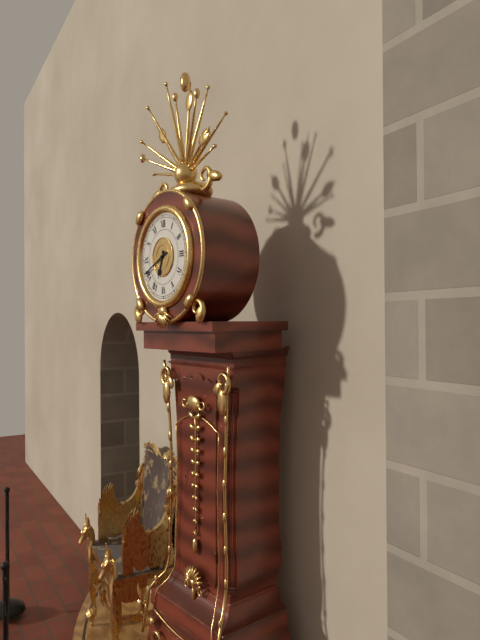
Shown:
6,41
